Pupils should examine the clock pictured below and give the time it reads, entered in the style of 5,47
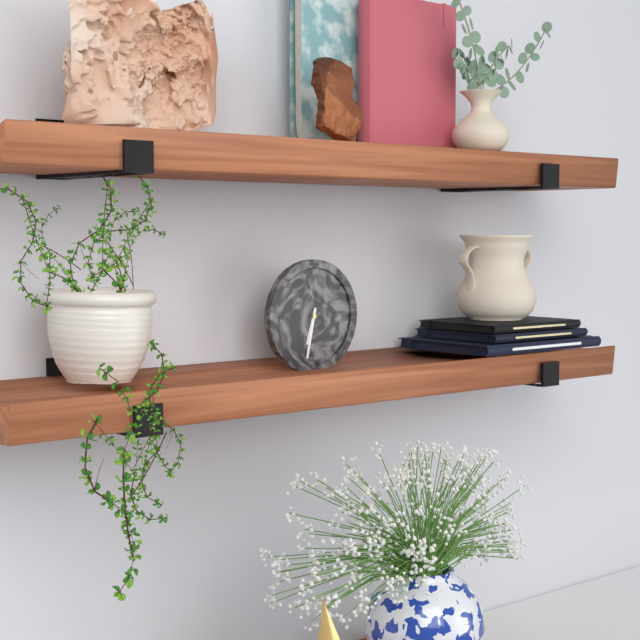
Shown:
6,32
